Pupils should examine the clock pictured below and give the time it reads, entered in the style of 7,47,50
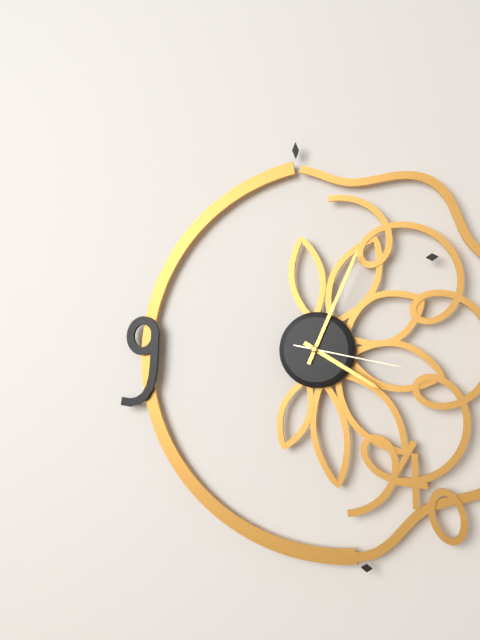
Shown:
4,04,17
